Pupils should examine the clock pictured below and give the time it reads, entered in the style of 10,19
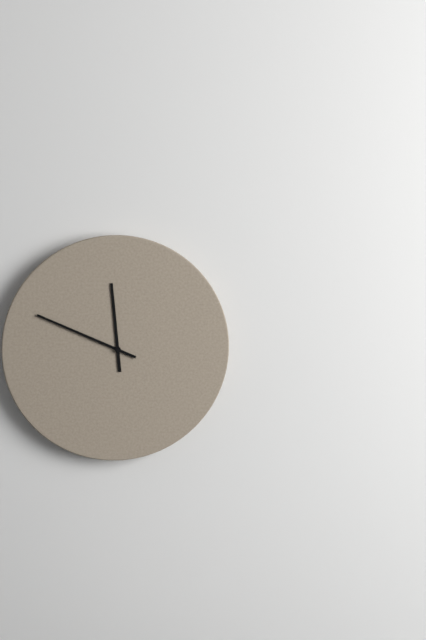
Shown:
11,49
